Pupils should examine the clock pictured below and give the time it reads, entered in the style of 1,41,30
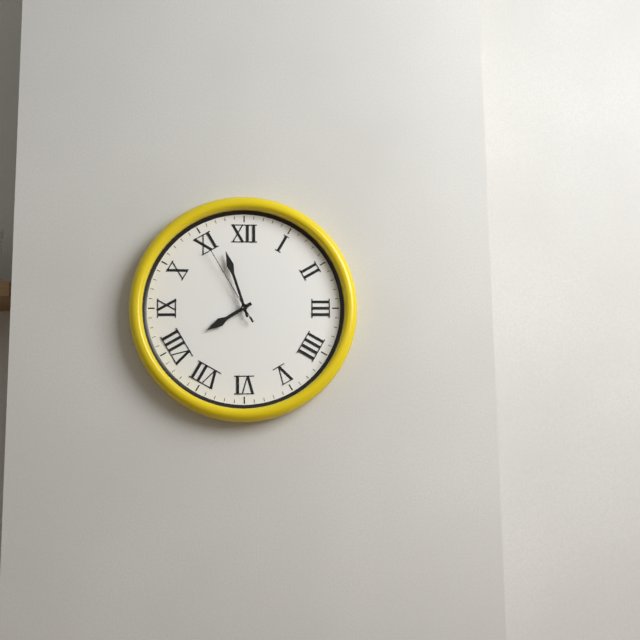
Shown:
7,57,55
